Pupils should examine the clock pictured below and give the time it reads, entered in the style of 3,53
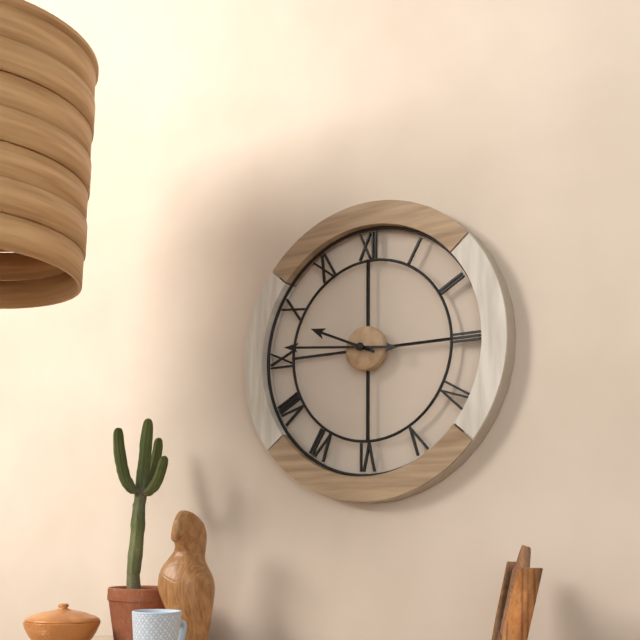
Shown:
9,46
